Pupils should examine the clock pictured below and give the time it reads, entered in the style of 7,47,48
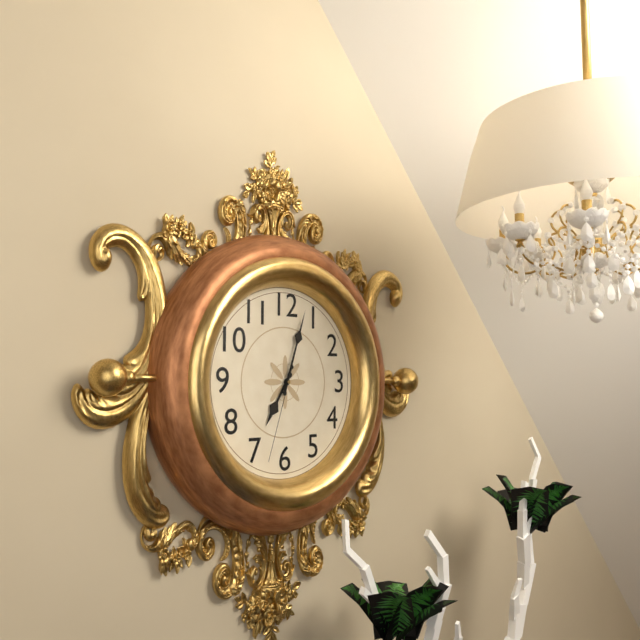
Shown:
7,03,33
